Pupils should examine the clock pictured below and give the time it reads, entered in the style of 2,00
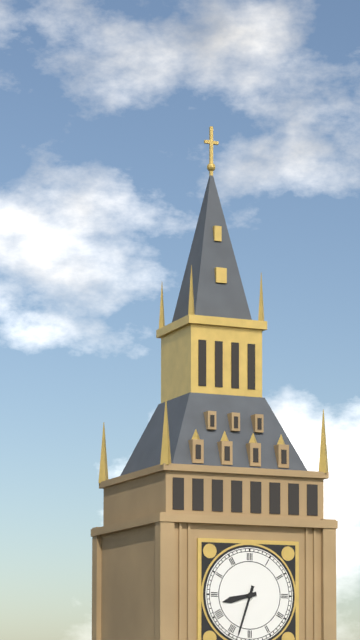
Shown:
8,33
